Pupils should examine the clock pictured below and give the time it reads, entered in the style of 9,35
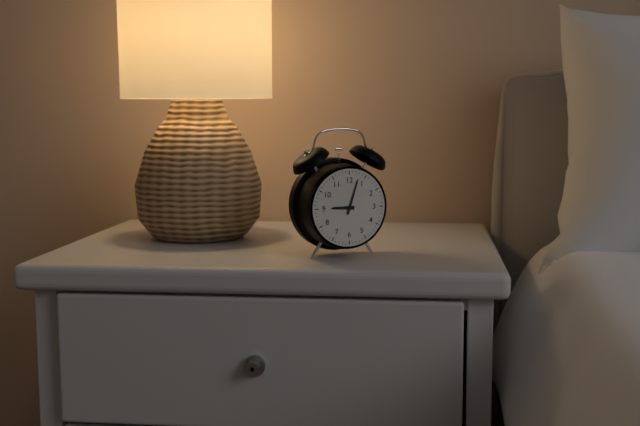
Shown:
9,03
